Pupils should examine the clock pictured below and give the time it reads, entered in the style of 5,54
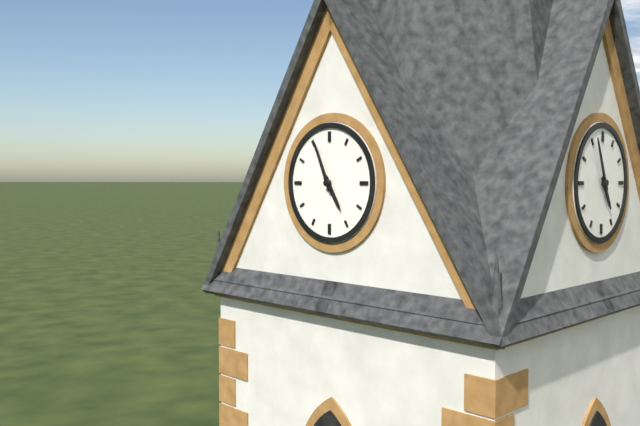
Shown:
4,56
